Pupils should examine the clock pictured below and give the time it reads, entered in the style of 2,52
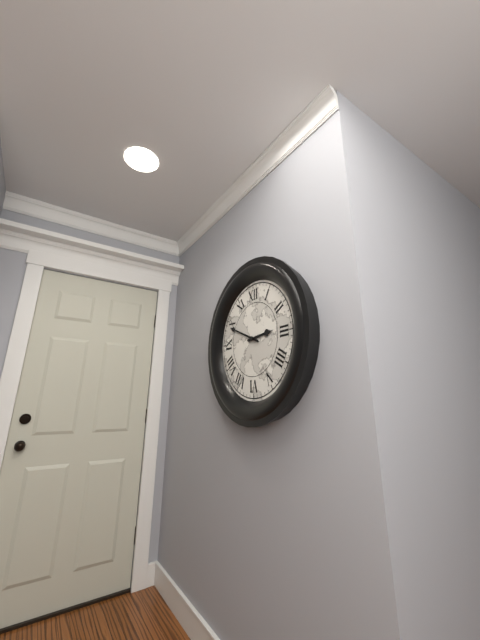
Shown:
2,49
